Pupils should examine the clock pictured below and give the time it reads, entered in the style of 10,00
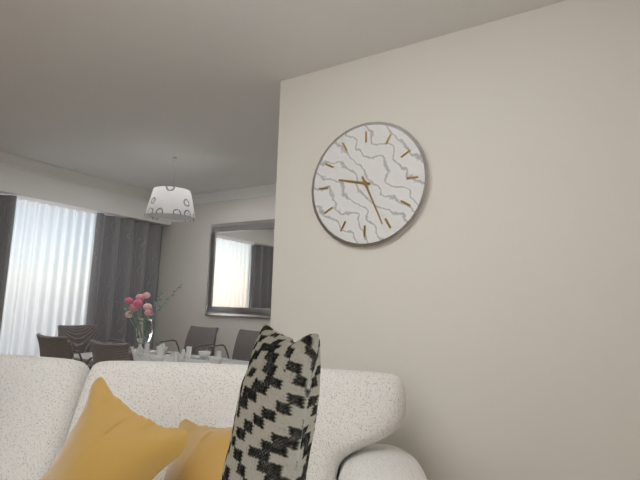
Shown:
9,26
